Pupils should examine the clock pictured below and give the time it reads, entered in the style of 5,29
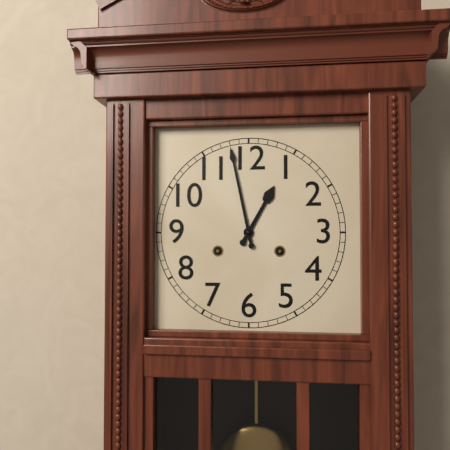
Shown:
12,58
